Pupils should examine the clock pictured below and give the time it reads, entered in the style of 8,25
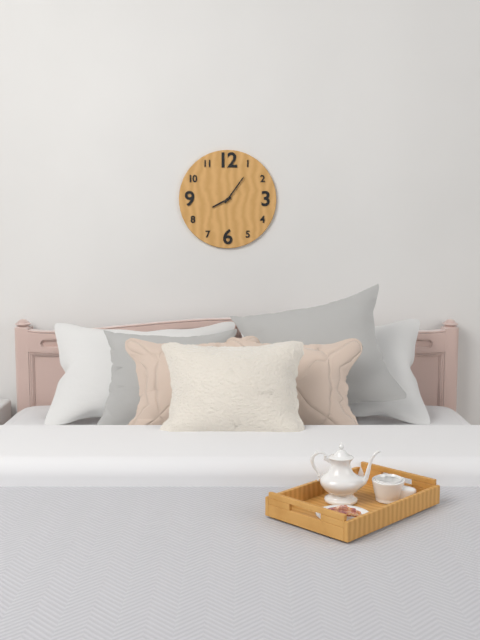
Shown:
8,06
